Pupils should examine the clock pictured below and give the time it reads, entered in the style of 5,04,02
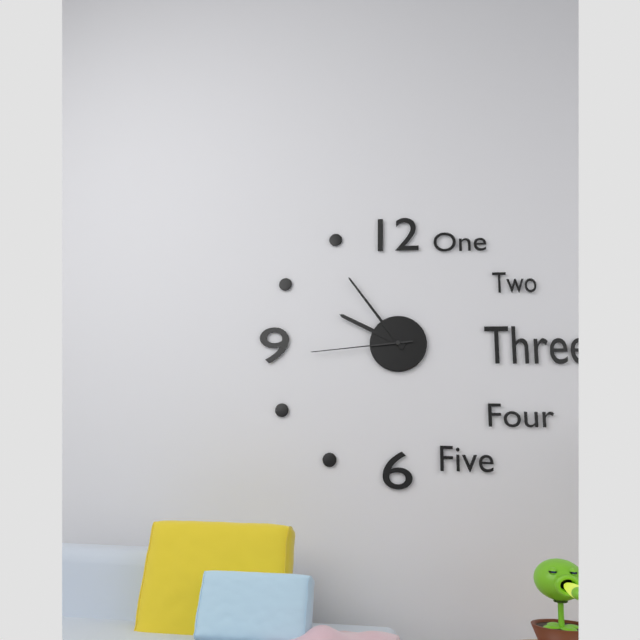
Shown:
9,54,44
